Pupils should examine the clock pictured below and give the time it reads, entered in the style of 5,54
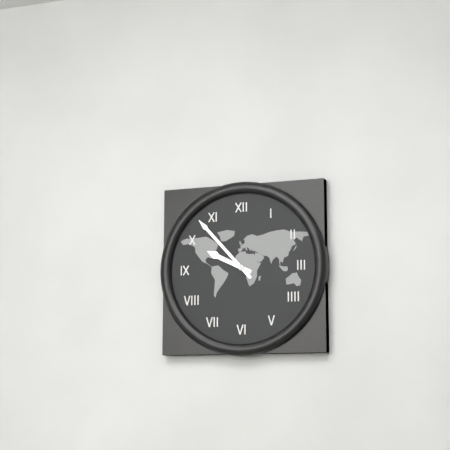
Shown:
9,53
